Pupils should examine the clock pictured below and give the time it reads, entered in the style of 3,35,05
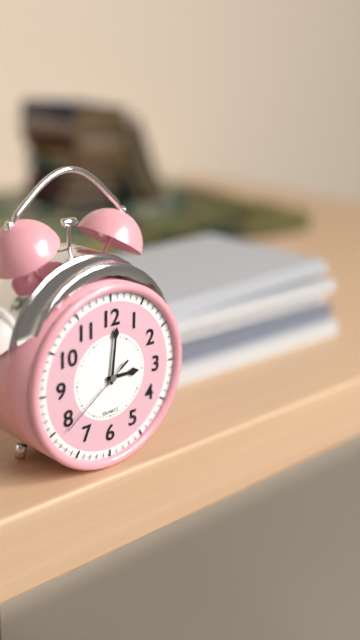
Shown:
3,01,39
